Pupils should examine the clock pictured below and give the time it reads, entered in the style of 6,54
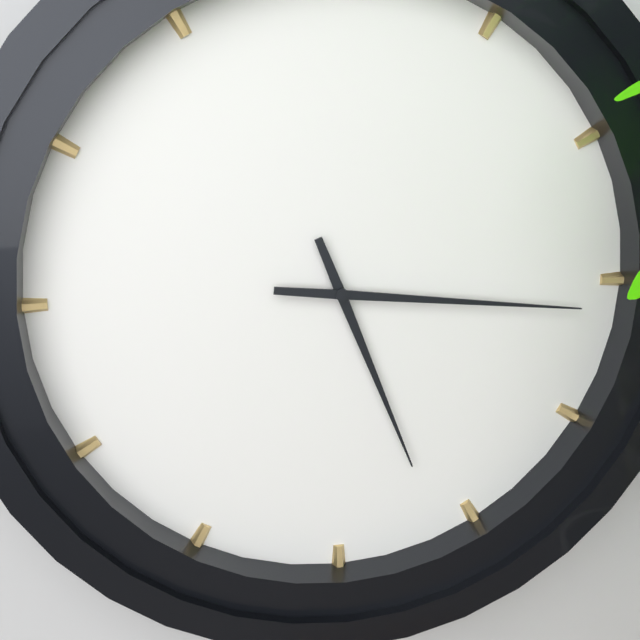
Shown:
5,16
